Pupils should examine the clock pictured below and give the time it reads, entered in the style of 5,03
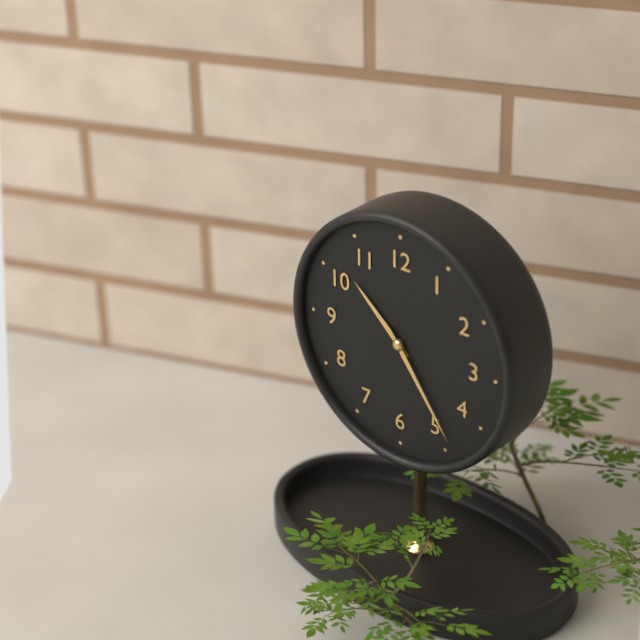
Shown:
10,24
